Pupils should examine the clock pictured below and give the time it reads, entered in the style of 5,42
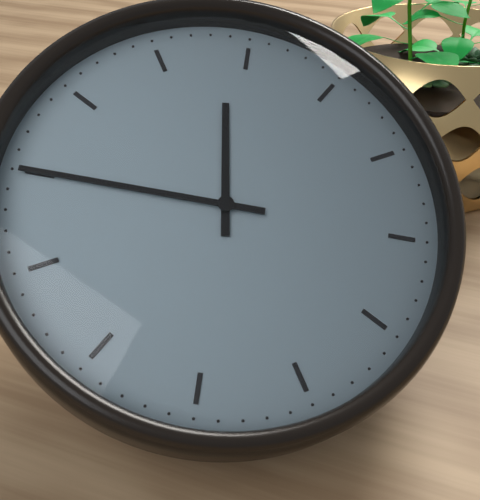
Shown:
11,45
